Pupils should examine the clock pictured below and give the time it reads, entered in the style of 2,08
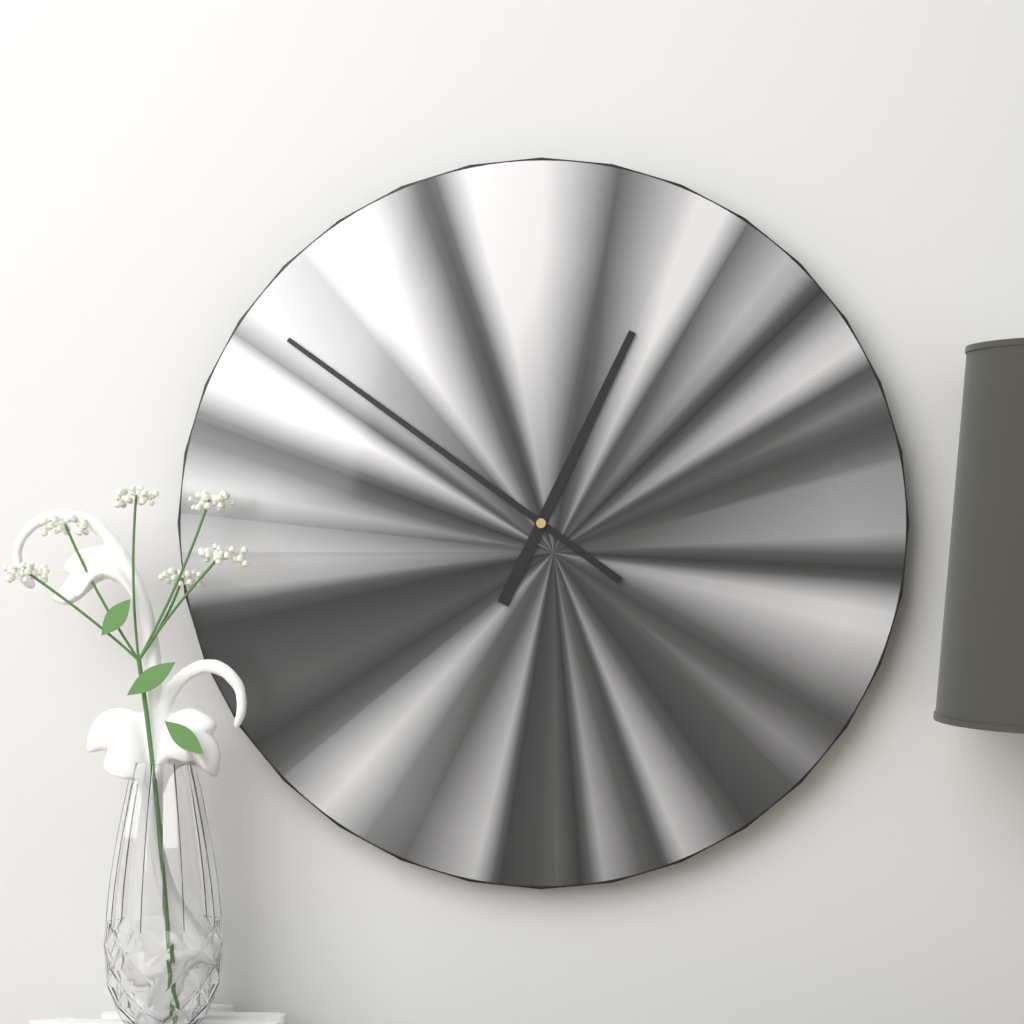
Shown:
12,51
